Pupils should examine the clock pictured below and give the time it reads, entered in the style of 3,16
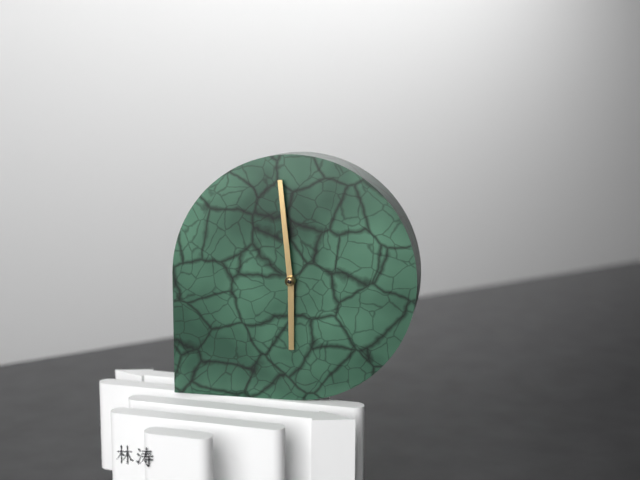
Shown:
5,59
